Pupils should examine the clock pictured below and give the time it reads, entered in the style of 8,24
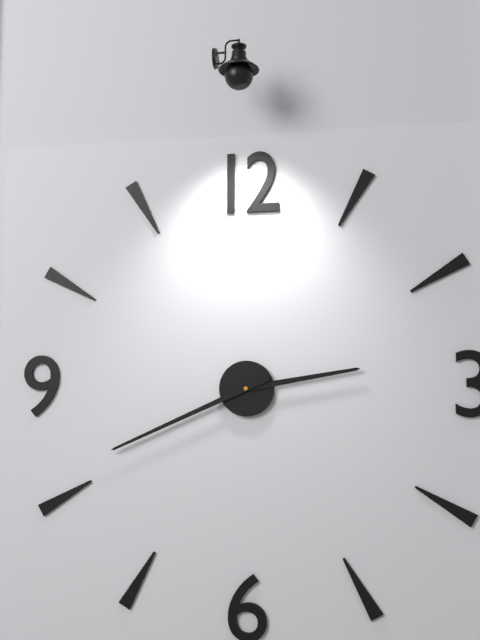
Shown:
2,41
